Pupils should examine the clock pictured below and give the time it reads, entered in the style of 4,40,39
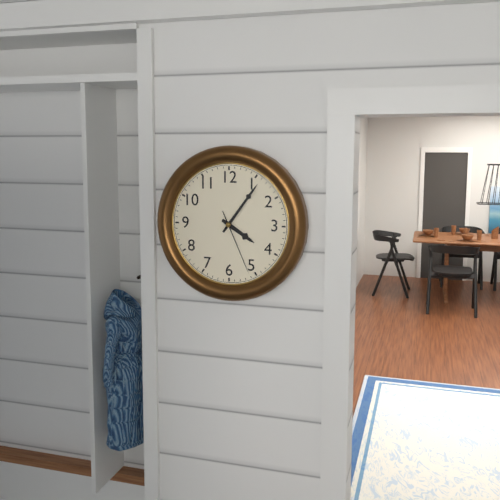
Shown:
4,06,26
